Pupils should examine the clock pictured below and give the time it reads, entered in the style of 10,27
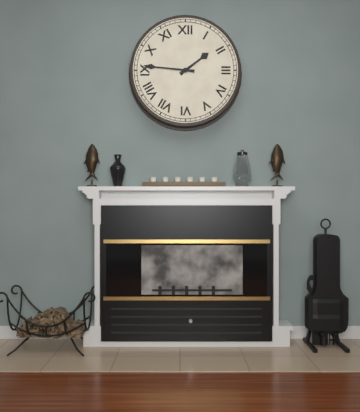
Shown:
1,46
